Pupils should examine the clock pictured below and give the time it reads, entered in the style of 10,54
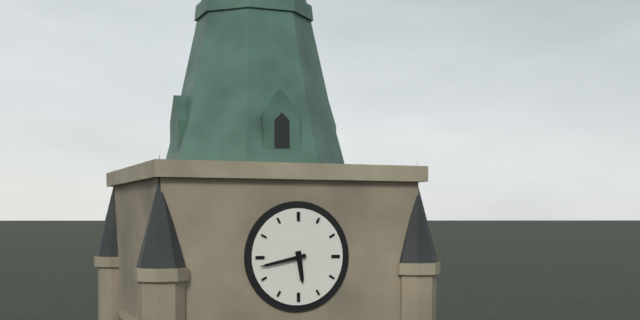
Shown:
5,43
